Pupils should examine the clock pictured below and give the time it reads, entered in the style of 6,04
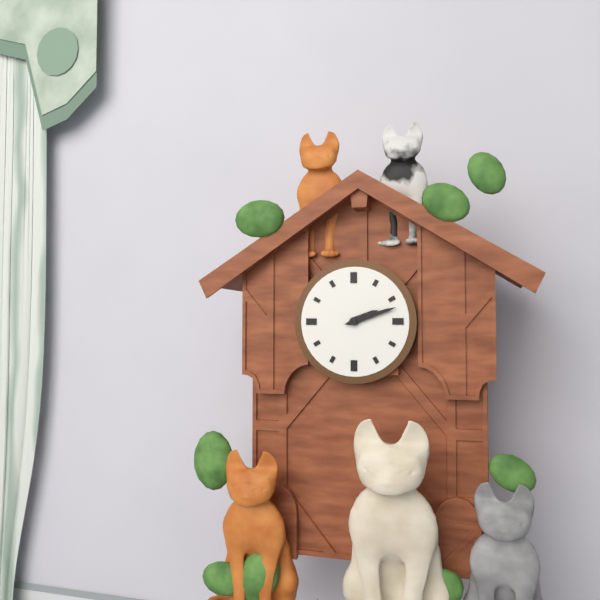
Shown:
2,12
